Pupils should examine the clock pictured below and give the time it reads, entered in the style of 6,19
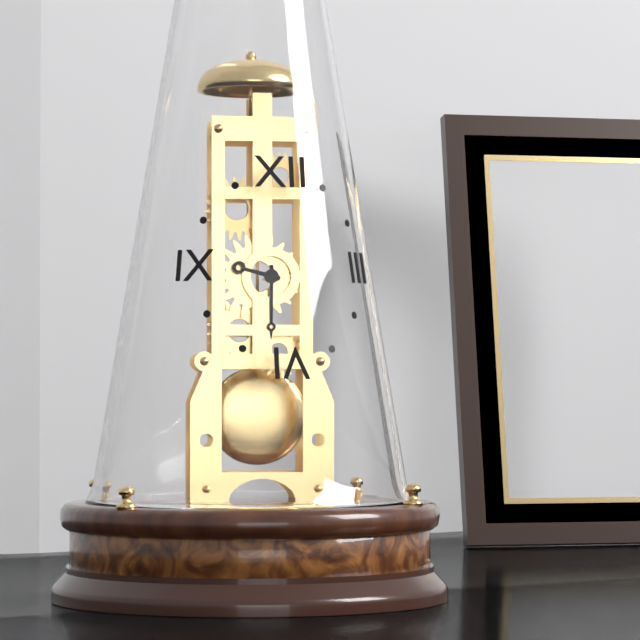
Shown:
9,30
